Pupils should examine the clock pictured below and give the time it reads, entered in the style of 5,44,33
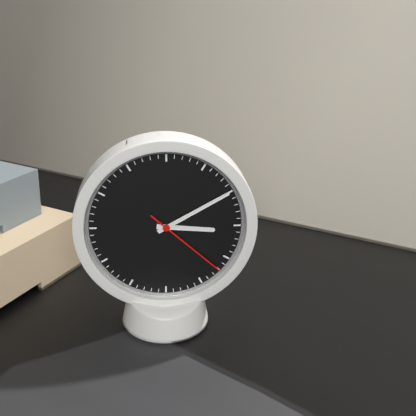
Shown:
3,10,22
